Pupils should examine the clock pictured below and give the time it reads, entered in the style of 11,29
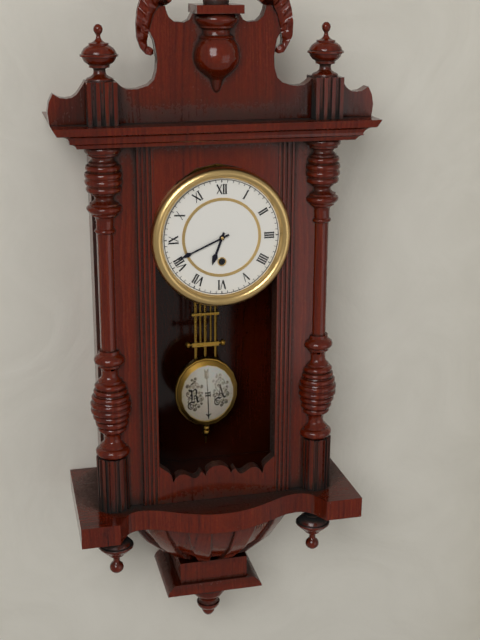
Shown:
6,41
